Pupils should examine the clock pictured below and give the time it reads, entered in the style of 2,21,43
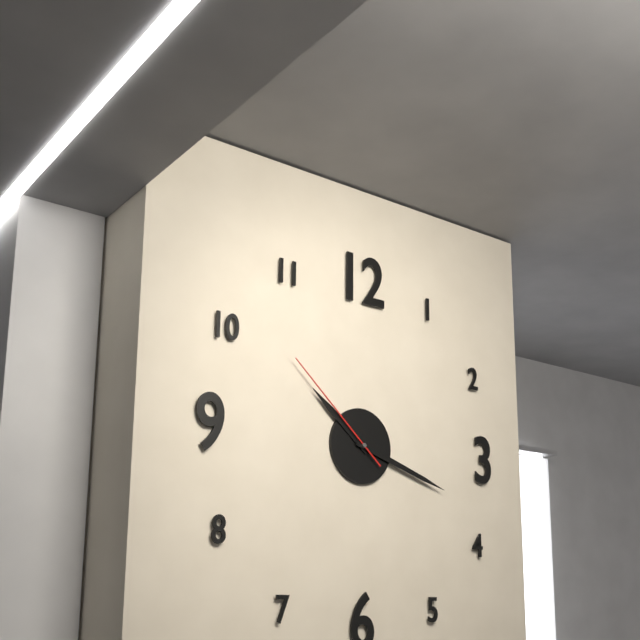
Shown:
10,18,52
